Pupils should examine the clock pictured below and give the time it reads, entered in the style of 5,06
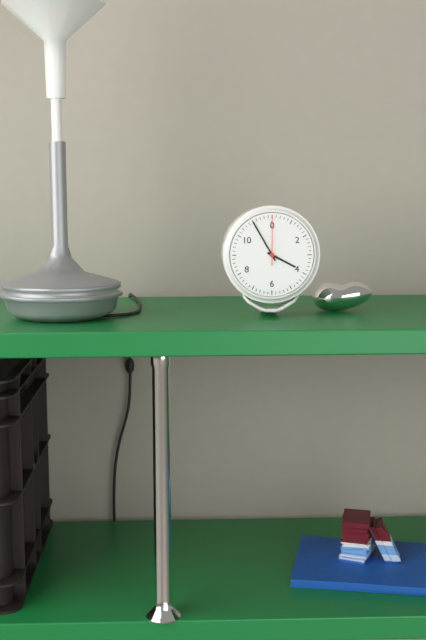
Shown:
3,55
